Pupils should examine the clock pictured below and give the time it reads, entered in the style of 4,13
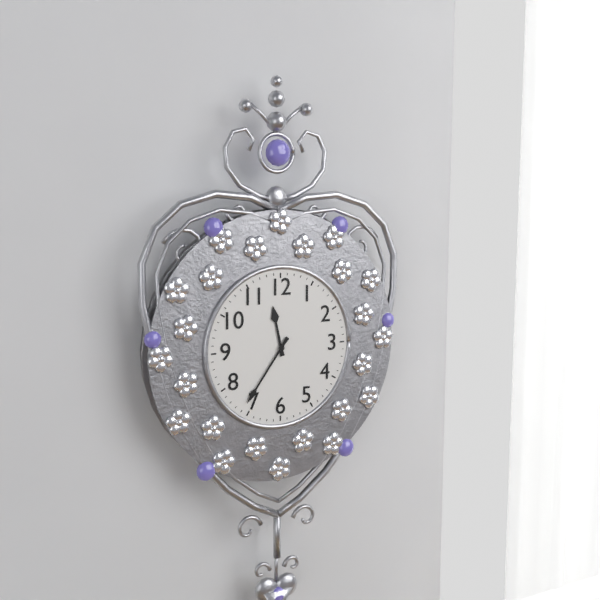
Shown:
11,36
